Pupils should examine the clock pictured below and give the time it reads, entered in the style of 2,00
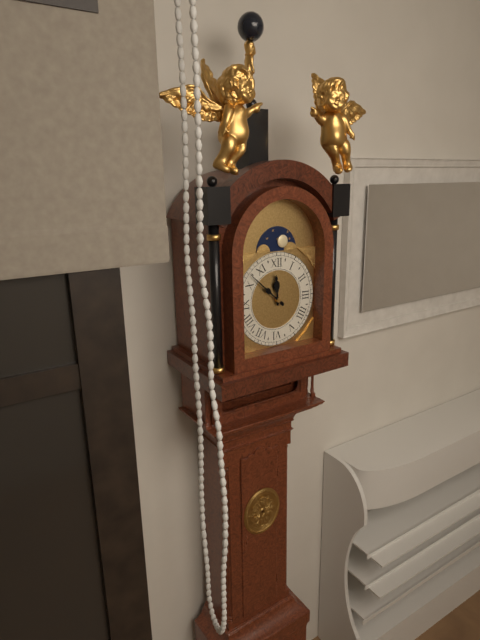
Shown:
11,52
